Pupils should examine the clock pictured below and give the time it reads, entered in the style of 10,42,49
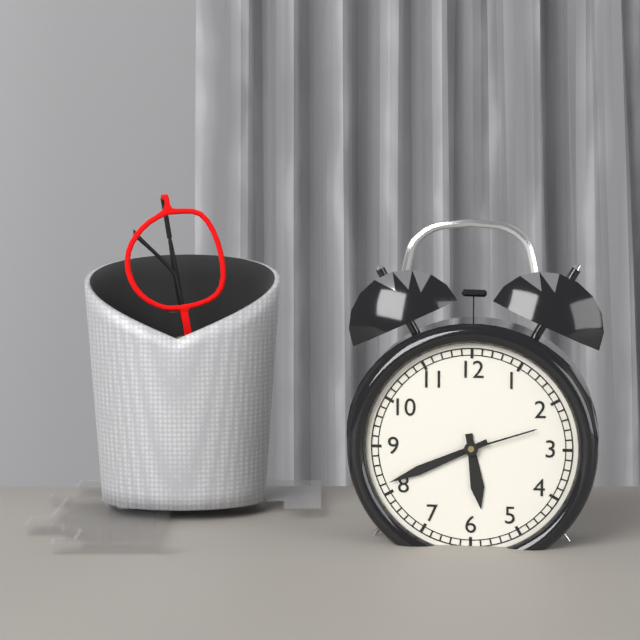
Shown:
5,41,12
